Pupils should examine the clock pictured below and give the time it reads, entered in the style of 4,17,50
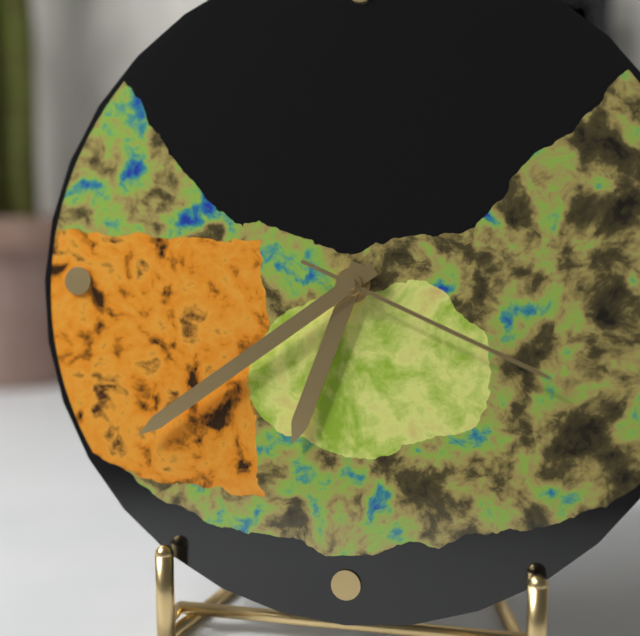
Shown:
6,39,19
